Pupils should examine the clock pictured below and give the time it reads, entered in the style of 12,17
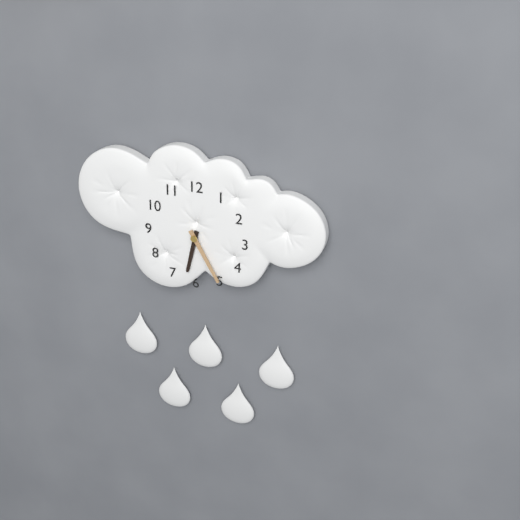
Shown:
6,25
